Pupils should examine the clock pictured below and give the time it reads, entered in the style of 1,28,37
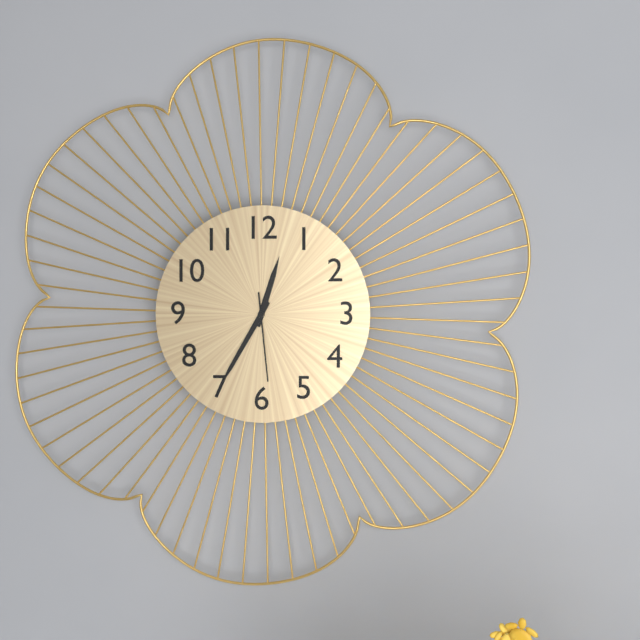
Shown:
12,35,29
